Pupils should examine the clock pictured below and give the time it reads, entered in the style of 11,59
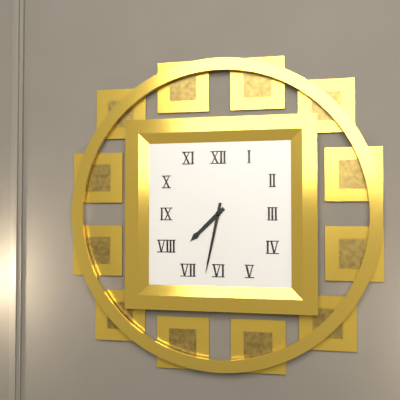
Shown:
7,32
